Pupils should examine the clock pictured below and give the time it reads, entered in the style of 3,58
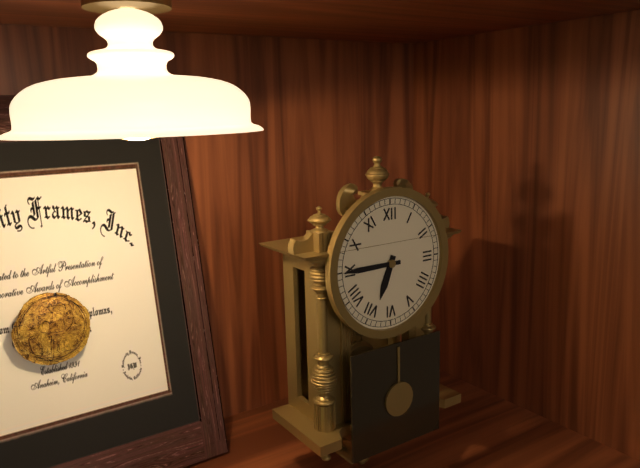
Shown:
6,45
